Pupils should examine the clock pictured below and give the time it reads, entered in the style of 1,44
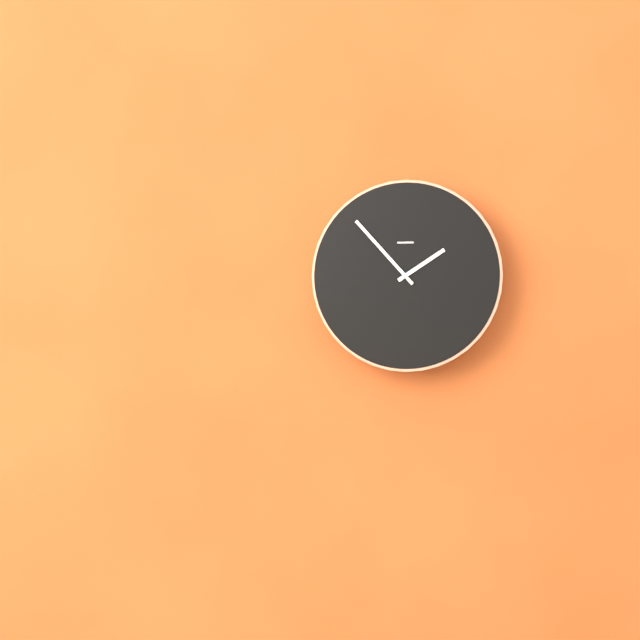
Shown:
1,53
